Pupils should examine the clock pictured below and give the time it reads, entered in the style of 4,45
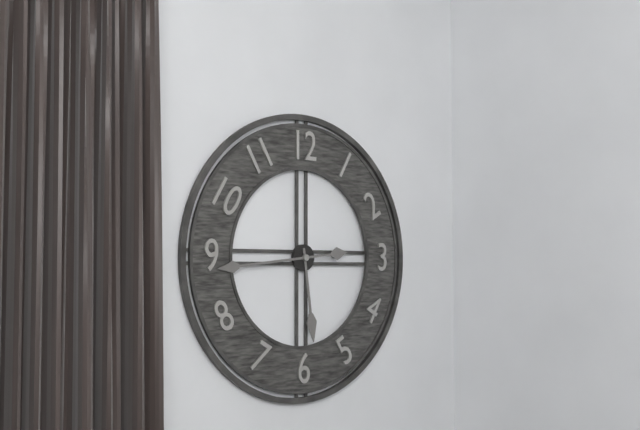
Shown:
5,44
